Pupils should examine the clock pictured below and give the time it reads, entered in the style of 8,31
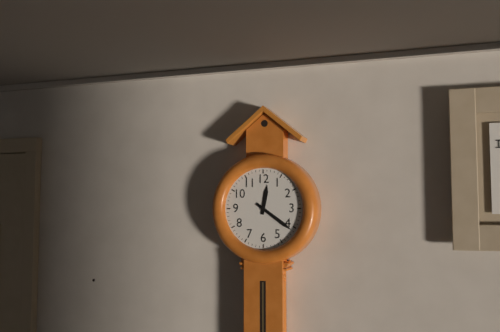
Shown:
12,21
